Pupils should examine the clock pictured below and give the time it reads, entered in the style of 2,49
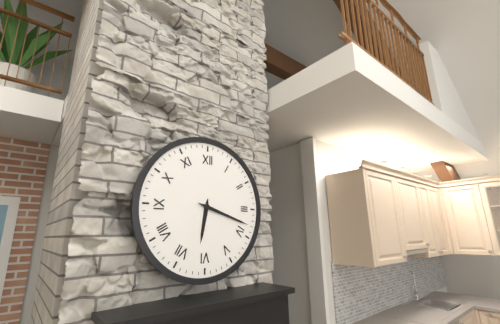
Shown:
6,18
